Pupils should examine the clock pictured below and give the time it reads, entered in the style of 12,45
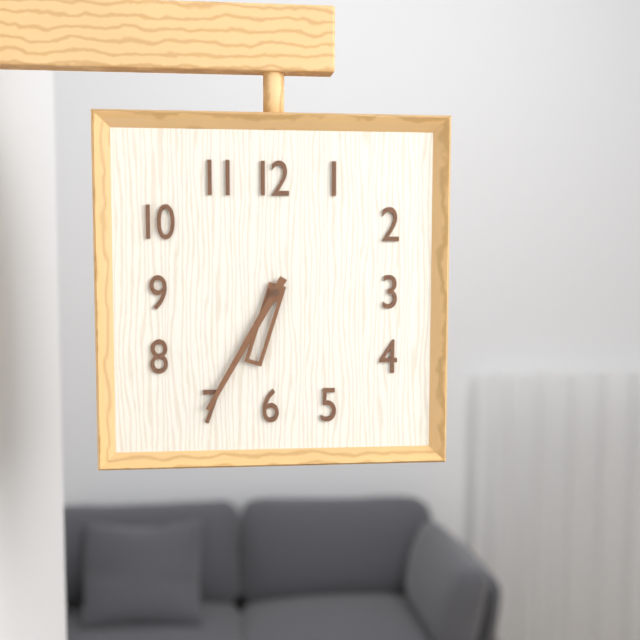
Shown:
6,35
